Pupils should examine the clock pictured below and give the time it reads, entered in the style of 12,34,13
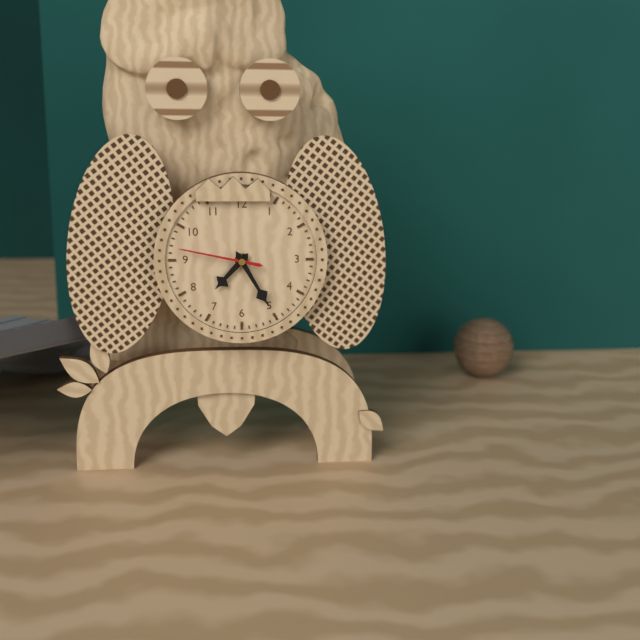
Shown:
7,25,47
